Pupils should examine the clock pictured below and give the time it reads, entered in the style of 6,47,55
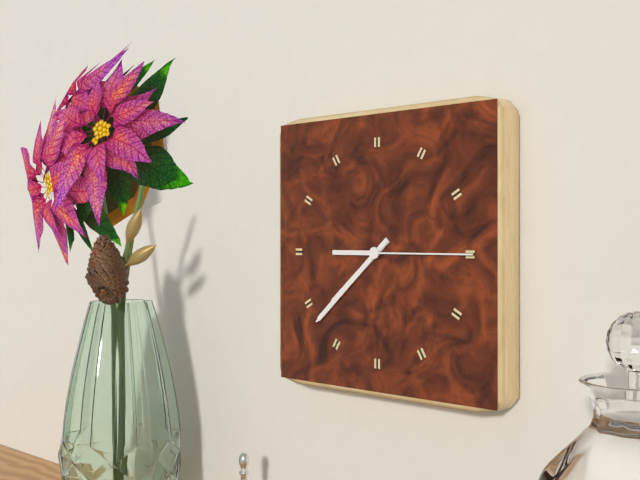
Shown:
7,38,15
